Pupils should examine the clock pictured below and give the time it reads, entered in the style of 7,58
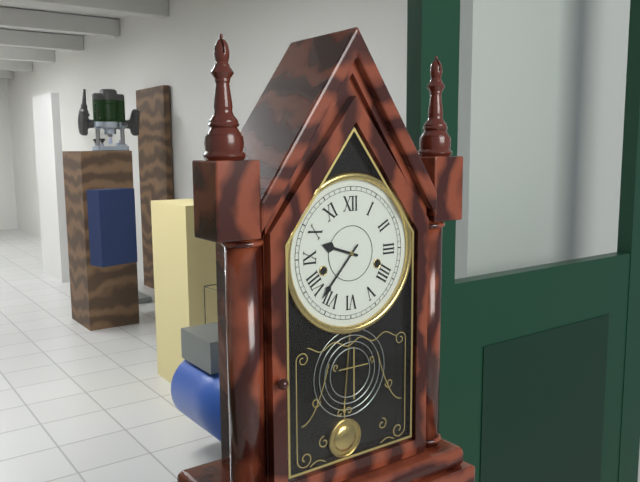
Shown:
9,37
